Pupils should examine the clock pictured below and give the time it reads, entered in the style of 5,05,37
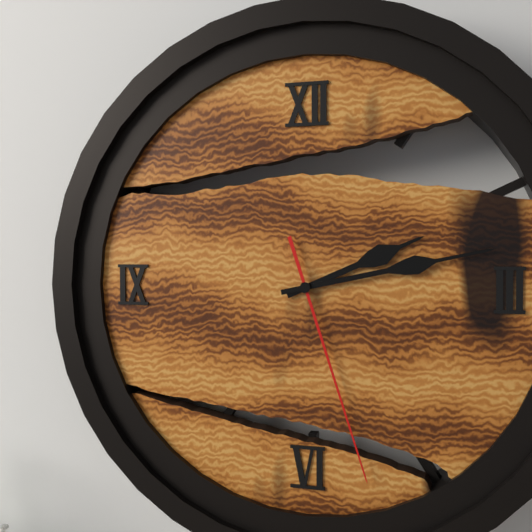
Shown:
2,13,27
